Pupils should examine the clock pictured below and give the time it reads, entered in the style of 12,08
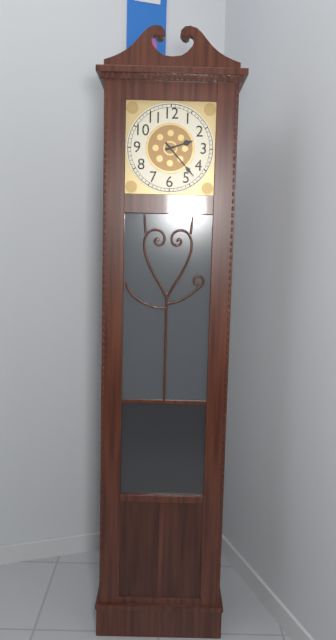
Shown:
2,23
